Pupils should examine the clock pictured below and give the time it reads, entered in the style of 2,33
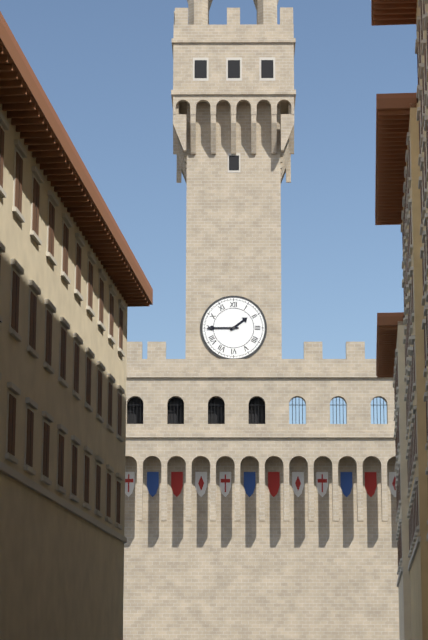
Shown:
1,45
